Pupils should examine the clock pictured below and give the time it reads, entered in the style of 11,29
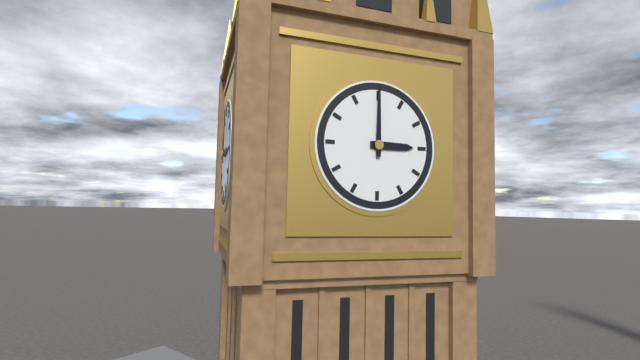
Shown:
3,00
